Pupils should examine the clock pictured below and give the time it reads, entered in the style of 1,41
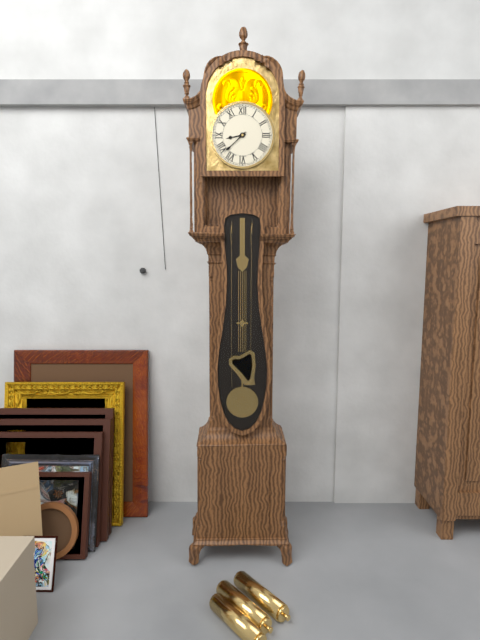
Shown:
8,38
